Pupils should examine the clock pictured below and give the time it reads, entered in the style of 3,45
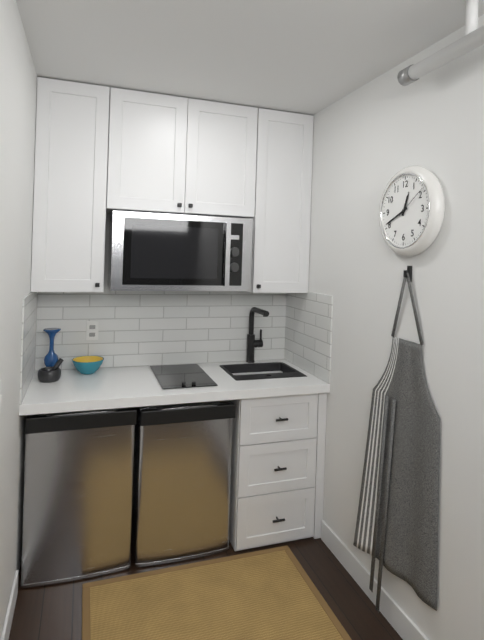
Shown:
12,41
